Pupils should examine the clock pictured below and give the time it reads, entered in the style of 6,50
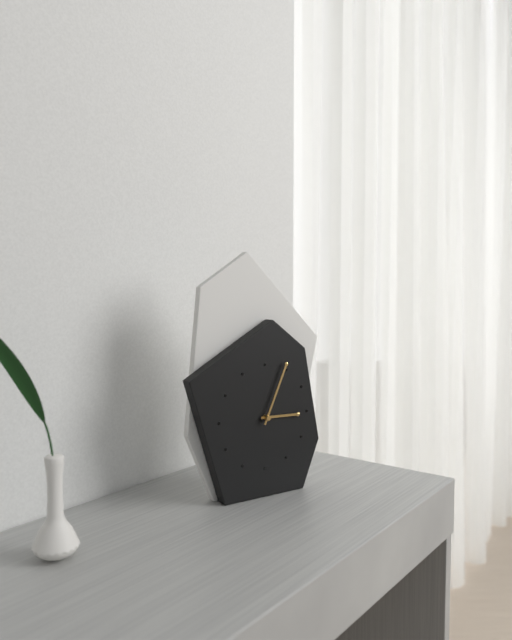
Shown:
3,04
